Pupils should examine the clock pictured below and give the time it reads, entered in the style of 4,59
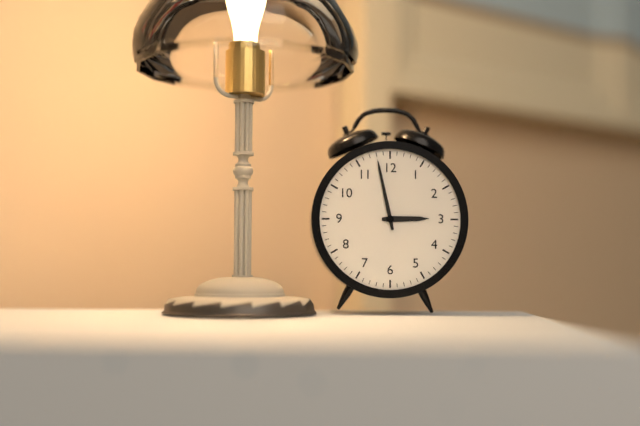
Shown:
2,58
